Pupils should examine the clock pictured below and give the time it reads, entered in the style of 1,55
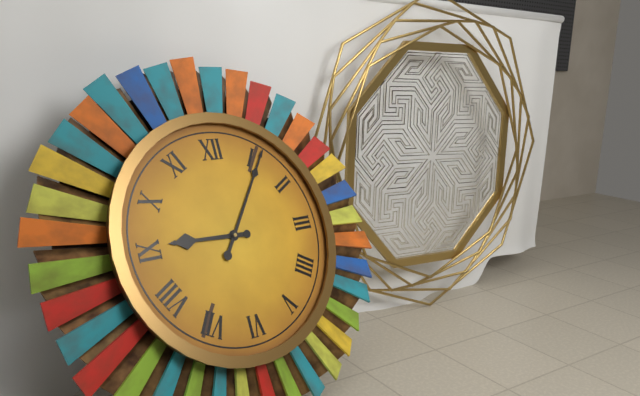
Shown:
9,06
